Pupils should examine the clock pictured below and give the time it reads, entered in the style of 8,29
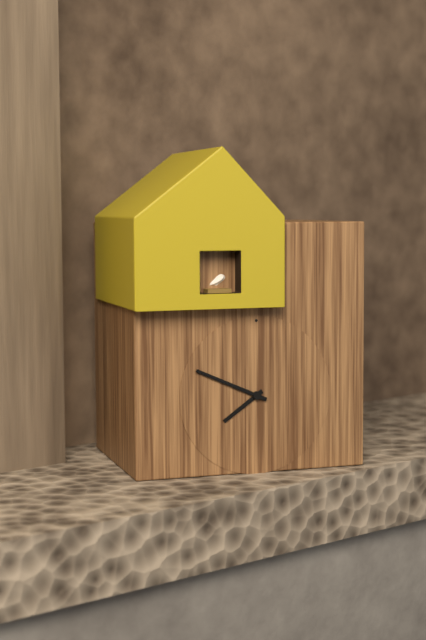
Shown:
7,49
